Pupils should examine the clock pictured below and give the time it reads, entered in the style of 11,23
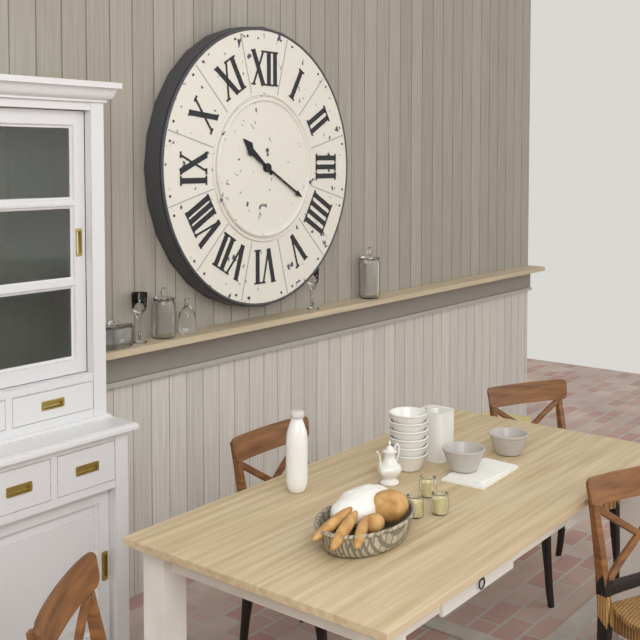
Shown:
10,20
